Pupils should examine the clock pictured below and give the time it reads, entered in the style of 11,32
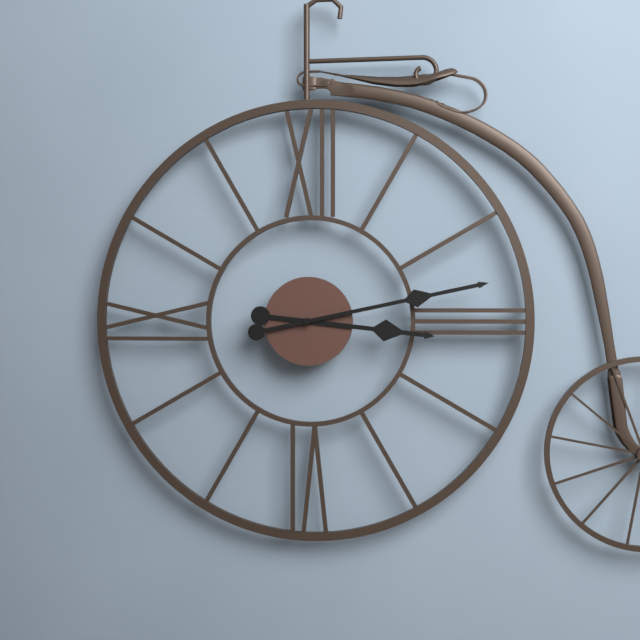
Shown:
3,13
